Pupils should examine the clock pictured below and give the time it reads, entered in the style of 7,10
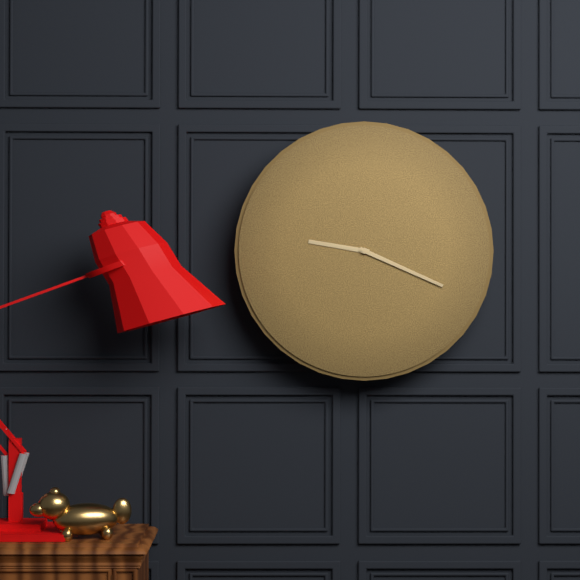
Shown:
9,19
